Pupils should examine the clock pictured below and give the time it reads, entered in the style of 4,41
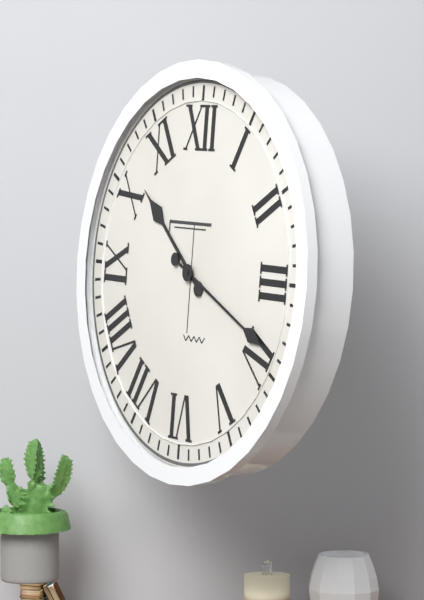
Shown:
10,19
